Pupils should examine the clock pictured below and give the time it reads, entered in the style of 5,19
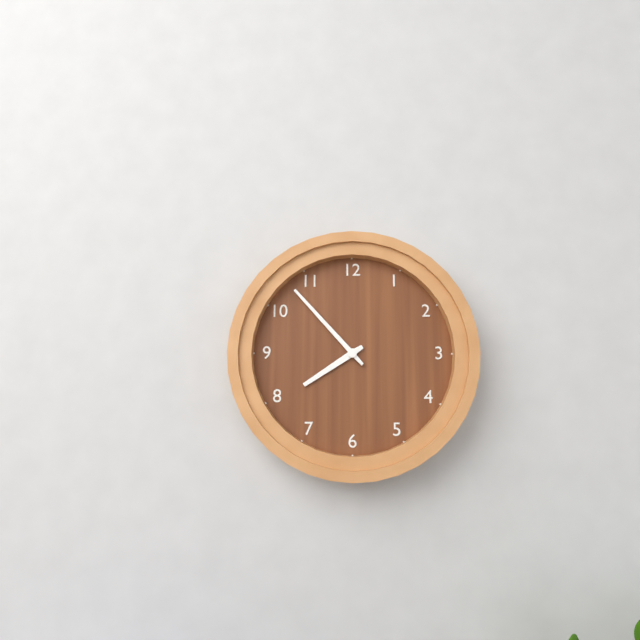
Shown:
7,53
